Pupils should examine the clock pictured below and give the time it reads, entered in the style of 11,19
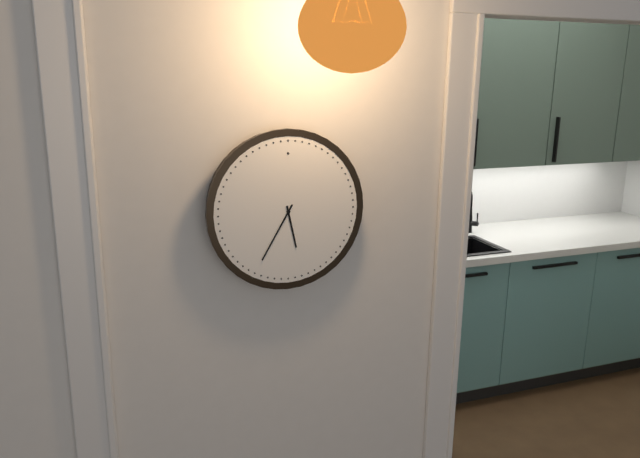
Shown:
5,35
